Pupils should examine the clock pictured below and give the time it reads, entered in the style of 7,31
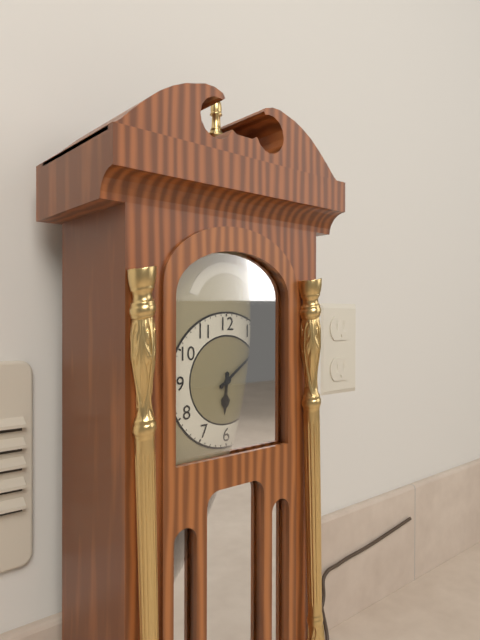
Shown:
6,09
